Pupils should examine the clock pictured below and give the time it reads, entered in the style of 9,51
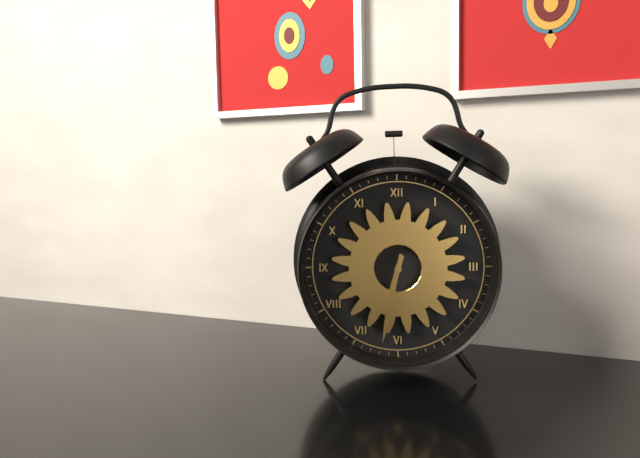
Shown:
6,32
